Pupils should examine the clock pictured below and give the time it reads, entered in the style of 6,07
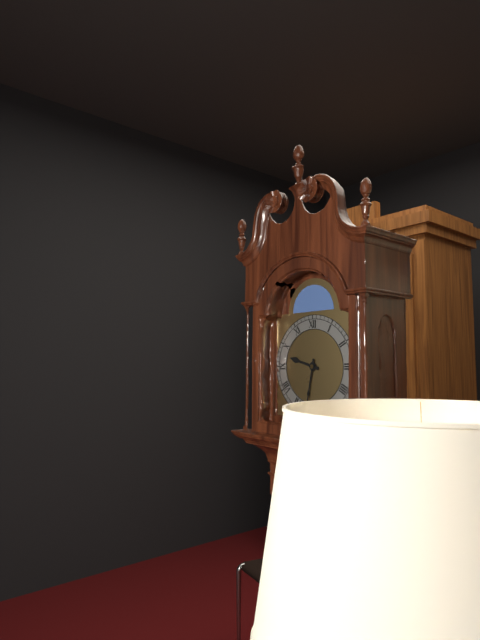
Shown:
9,32
